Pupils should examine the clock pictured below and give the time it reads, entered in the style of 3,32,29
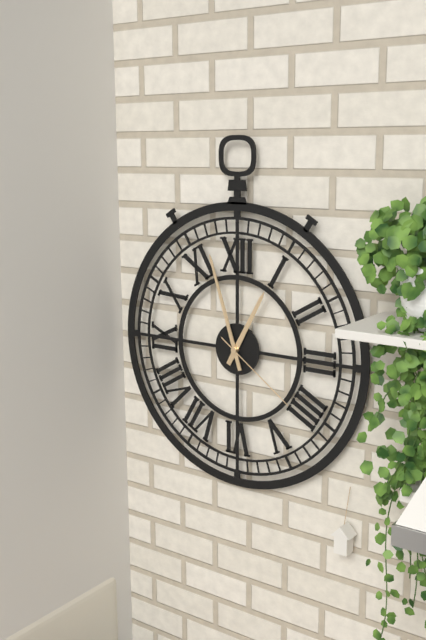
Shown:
12,57,21
